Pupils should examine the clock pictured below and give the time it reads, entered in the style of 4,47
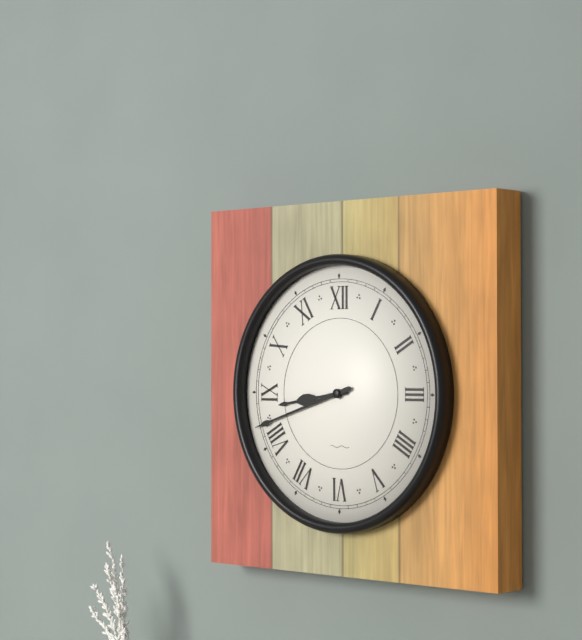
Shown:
8,42
